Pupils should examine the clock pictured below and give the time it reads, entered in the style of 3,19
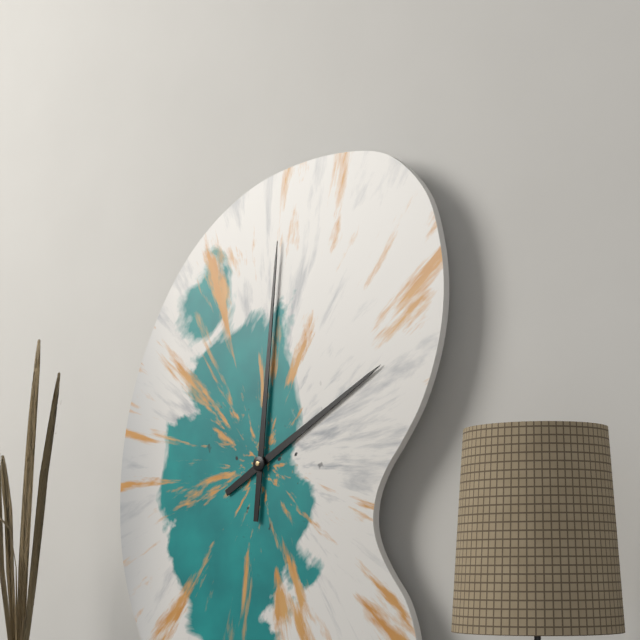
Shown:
2,01
